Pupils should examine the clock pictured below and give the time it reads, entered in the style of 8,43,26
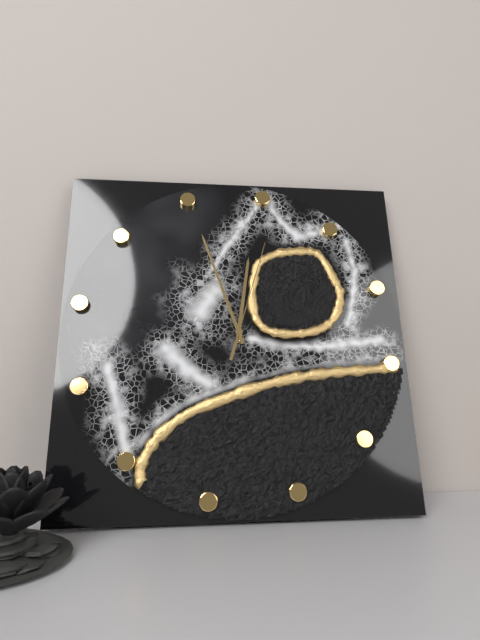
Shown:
11,55,01
